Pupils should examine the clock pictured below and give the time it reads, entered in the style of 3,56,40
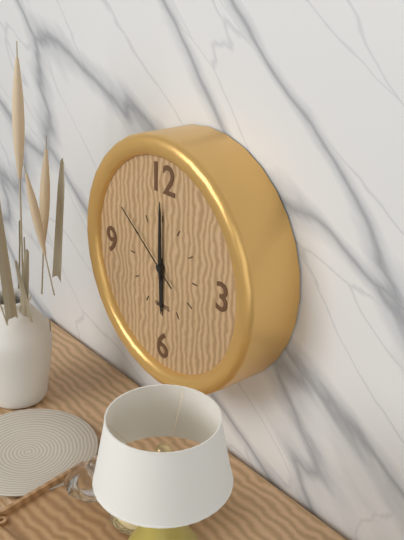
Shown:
6,00,51
